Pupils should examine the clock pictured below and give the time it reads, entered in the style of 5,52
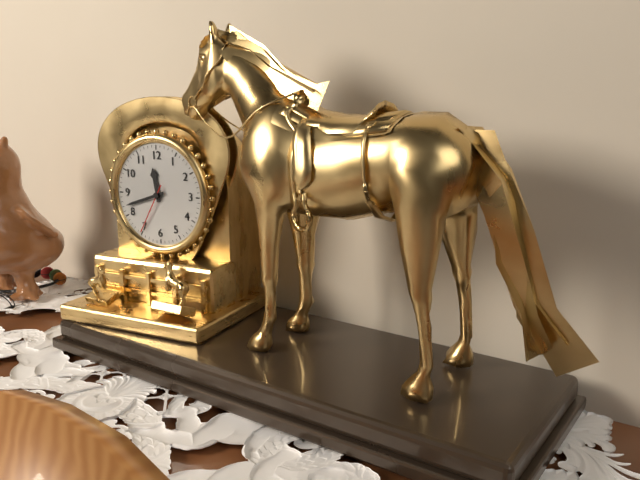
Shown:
11,42
